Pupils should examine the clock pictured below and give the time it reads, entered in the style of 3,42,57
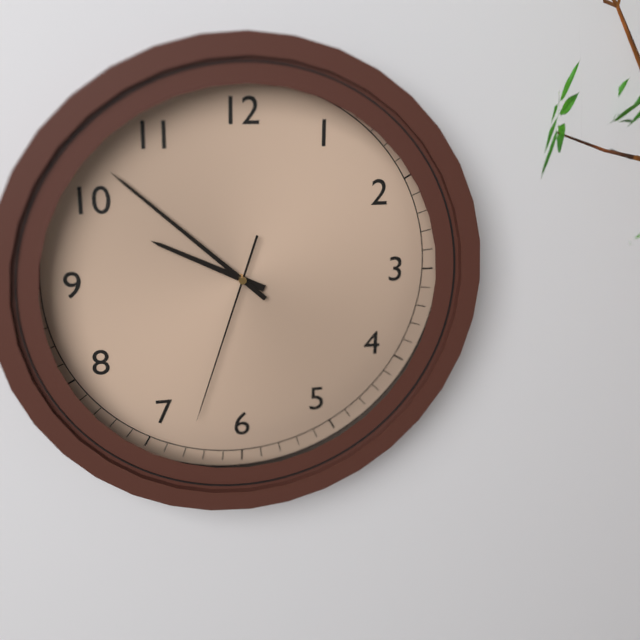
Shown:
9,52,33
